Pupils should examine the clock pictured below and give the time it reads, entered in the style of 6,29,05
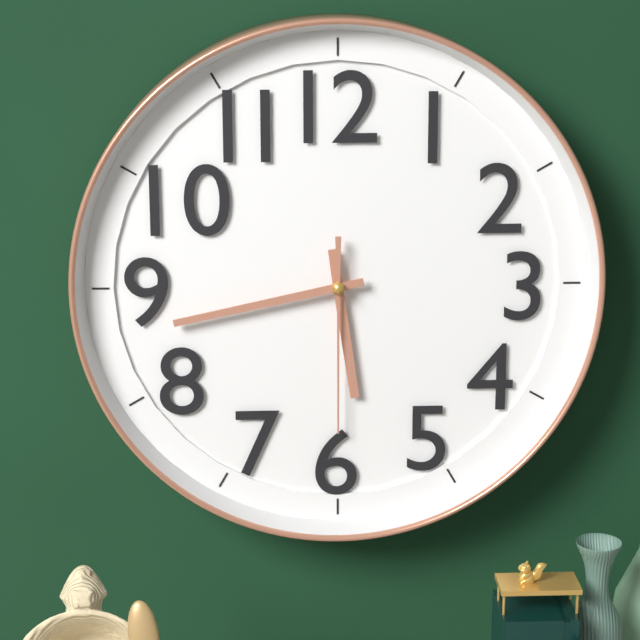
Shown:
5,43,30
